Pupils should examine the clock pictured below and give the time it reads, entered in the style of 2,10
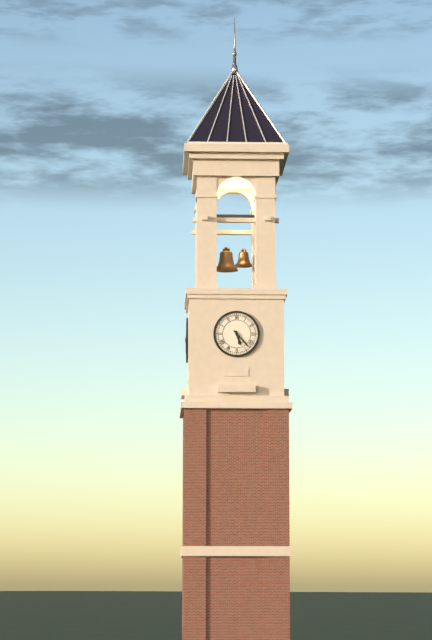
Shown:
5,23
